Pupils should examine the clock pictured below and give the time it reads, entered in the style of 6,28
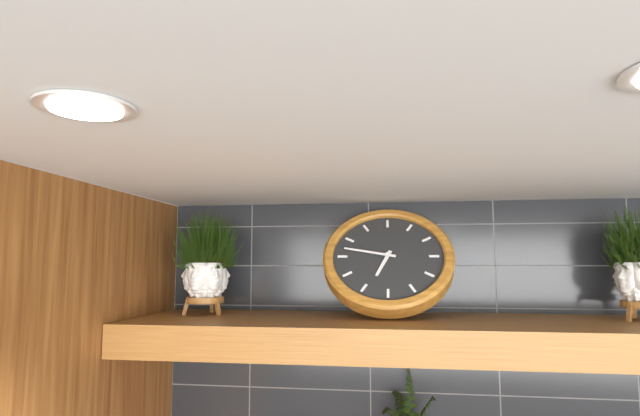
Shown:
6,47
